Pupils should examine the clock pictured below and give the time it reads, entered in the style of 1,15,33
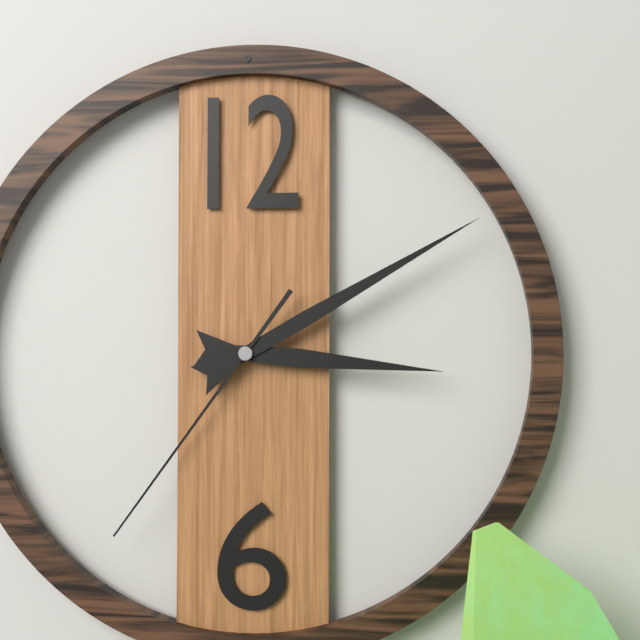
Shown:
3,10,36
